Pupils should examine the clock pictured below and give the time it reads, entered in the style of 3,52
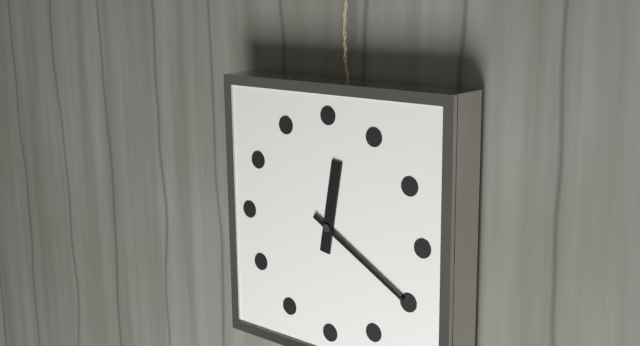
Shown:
12,20
